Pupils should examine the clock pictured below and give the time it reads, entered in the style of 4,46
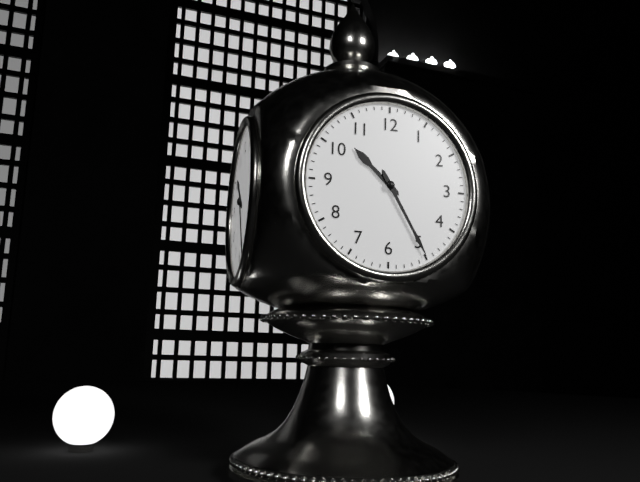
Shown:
10,25
